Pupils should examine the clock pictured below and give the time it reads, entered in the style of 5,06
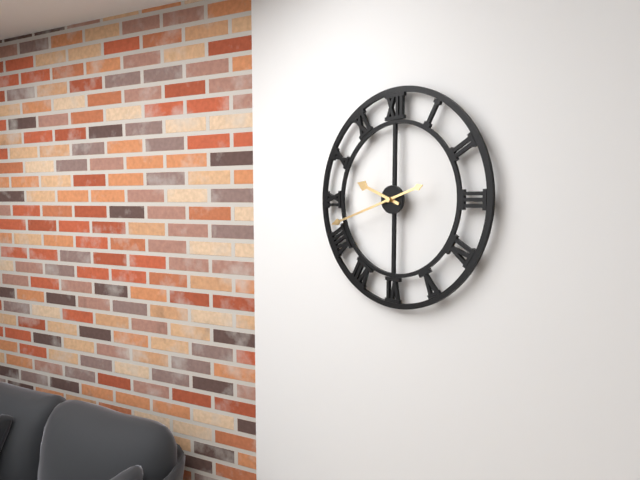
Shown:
9,42
